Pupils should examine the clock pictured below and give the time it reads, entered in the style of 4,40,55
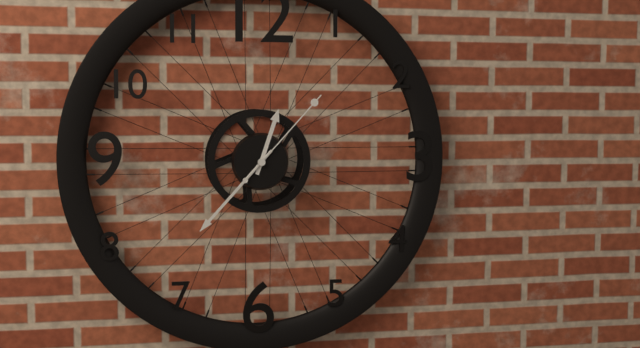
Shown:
12,37,07
